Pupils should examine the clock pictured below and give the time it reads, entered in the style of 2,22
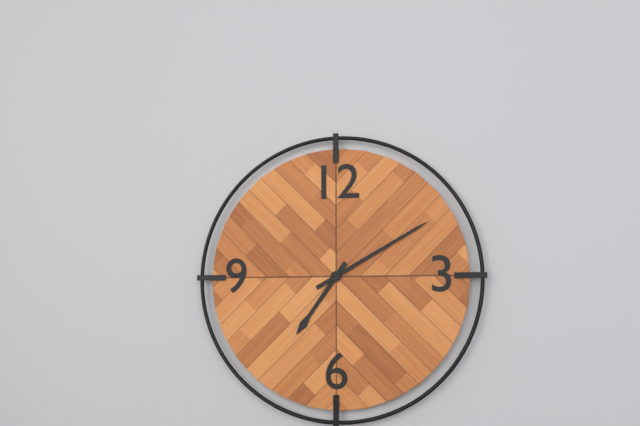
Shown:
7,10
